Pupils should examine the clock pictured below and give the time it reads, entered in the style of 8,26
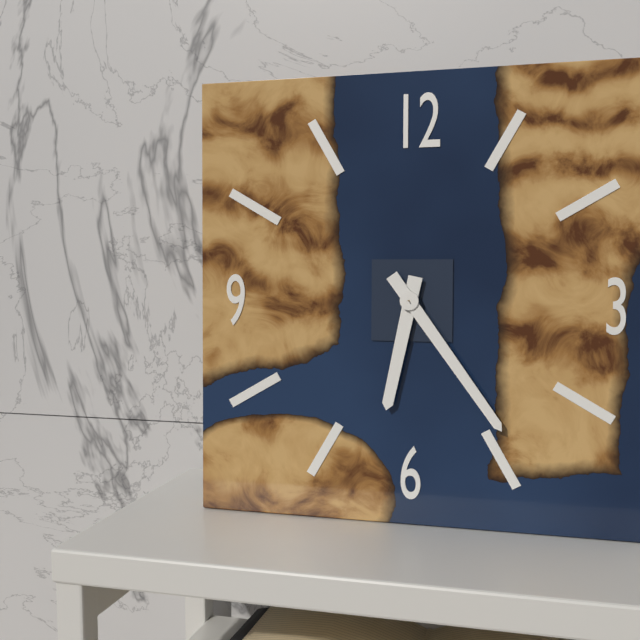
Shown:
6,24
